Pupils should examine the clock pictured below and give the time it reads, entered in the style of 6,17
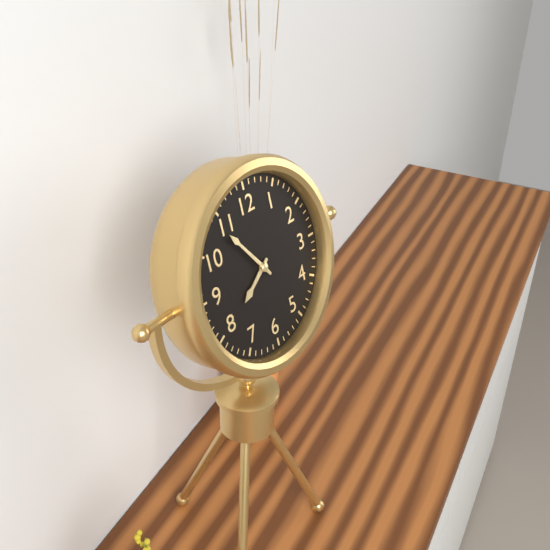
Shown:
7,54
